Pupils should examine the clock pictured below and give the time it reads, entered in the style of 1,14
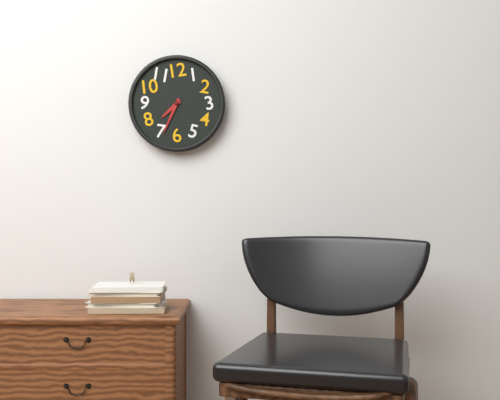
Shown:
7,34
